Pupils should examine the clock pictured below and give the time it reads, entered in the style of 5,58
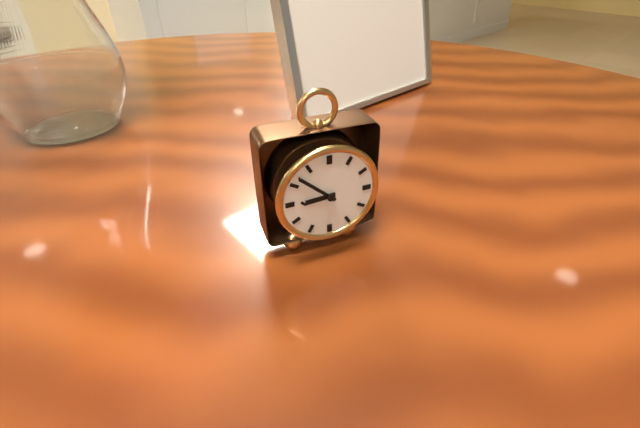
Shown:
8,52
